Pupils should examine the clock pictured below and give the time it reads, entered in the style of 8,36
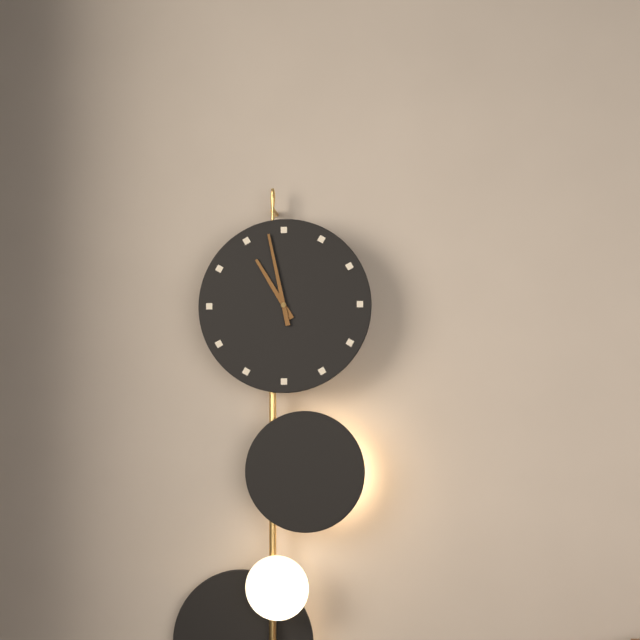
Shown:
10,58
